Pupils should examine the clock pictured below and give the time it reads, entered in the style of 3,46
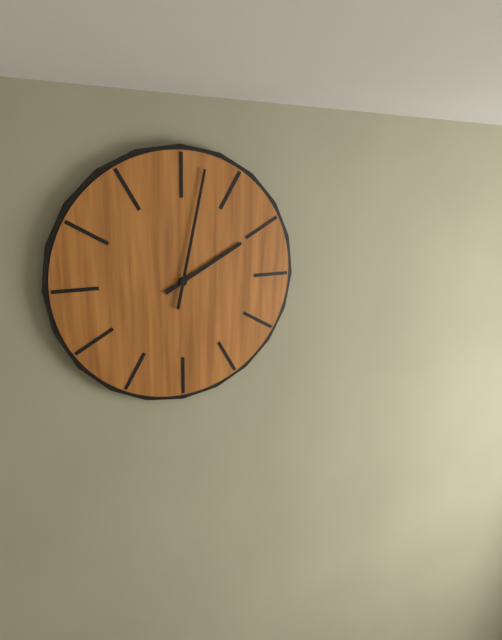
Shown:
2,02
